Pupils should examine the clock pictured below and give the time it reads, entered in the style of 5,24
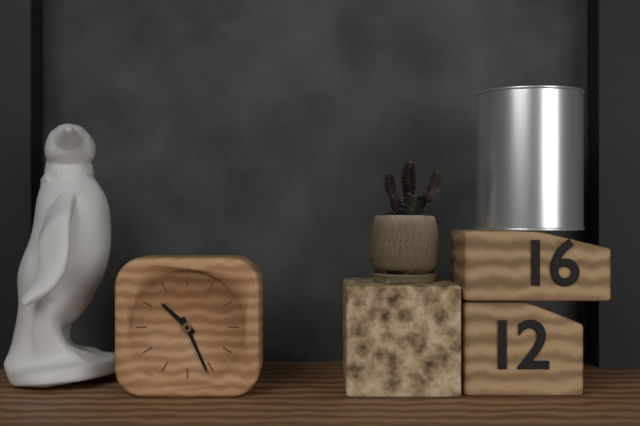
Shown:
10,26
